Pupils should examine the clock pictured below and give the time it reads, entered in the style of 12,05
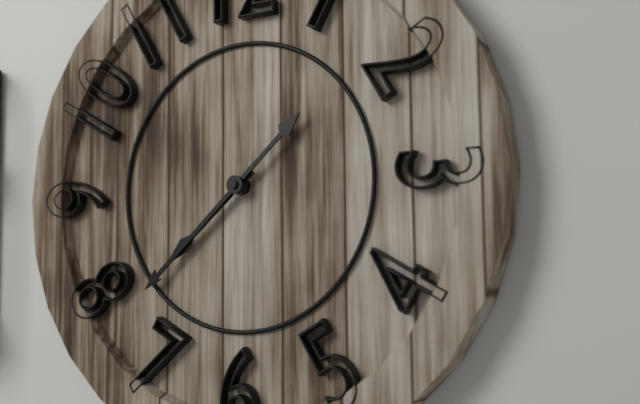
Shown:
7,38
